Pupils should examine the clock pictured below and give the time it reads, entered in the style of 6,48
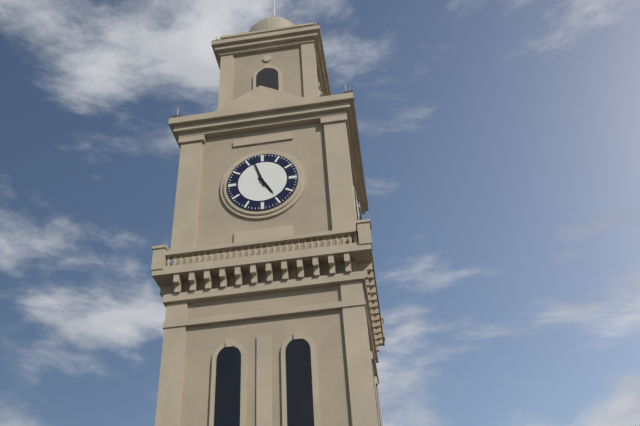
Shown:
4,57
